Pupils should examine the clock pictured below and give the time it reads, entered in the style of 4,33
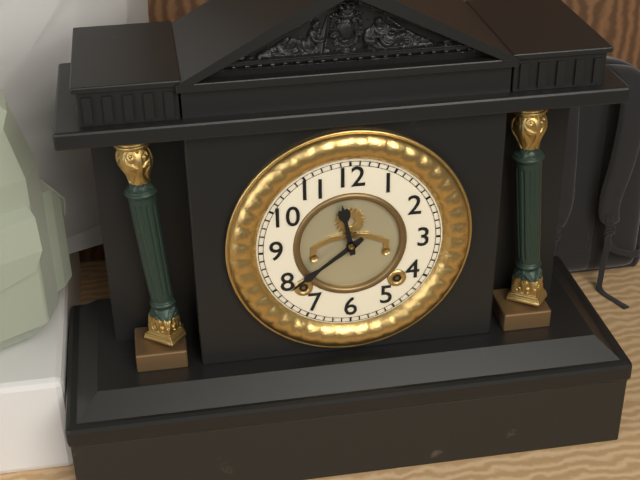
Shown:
11,39
